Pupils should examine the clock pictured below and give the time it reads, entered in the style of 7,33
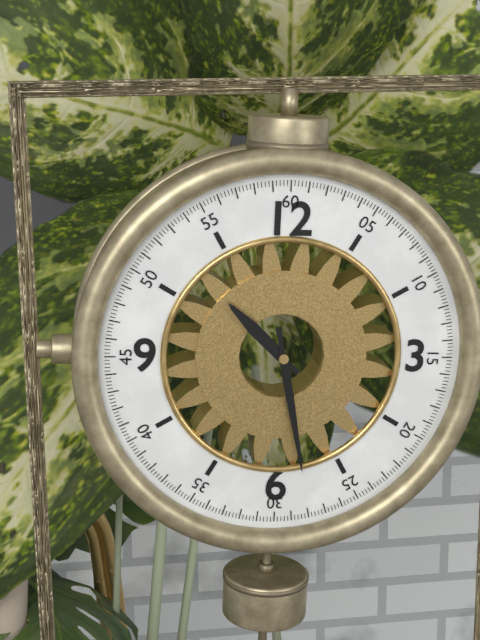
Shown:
10,28
